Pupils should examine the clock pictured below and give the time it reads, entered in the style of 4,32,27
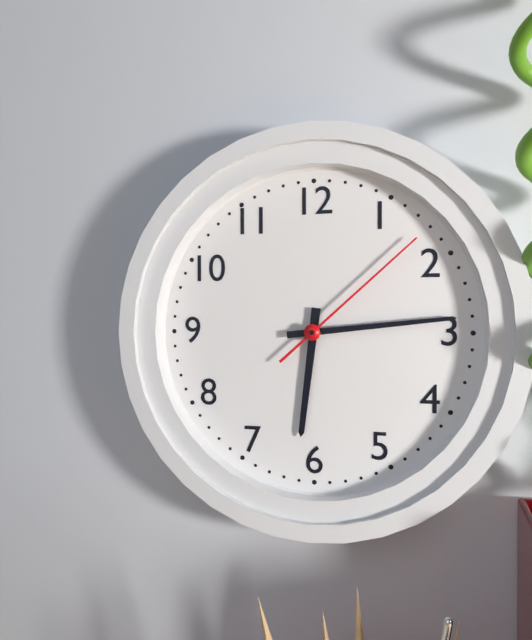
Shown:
6,14,08
